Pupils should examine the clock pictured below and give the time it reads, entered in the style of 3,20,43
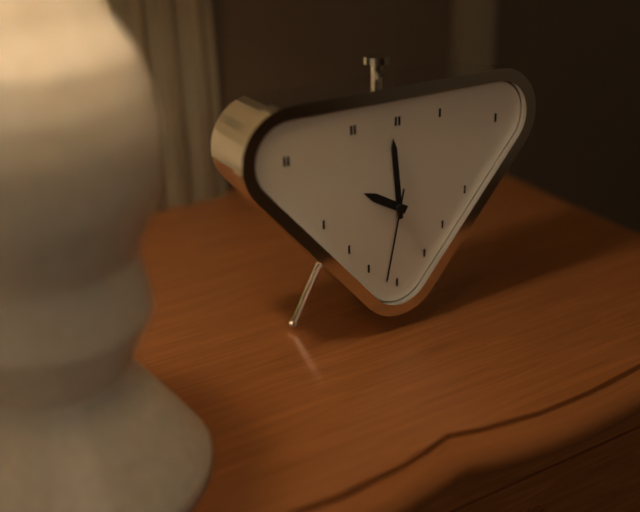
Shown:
9,59,32
